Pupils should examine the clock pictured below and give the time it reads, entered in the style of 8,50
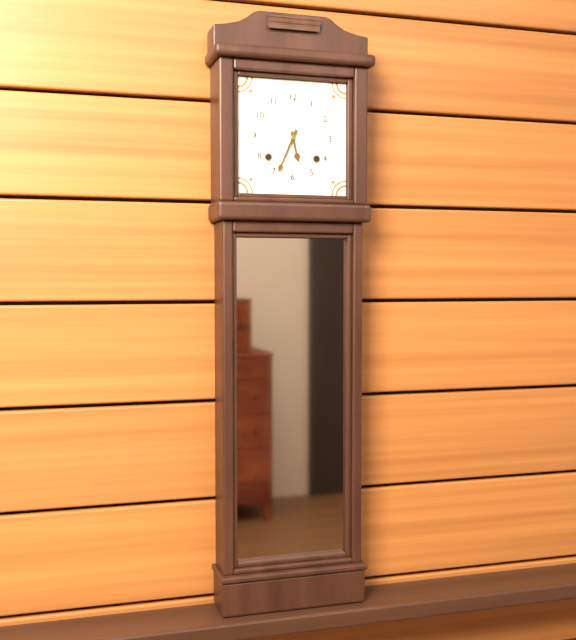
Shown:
5,34
